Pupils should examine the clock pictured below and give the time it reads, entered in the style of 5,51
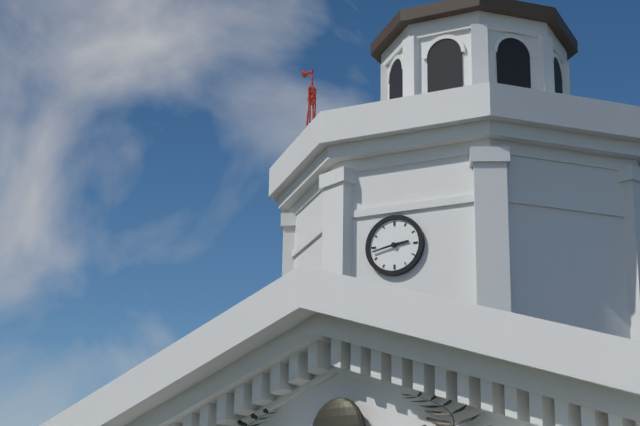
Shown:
2,43
